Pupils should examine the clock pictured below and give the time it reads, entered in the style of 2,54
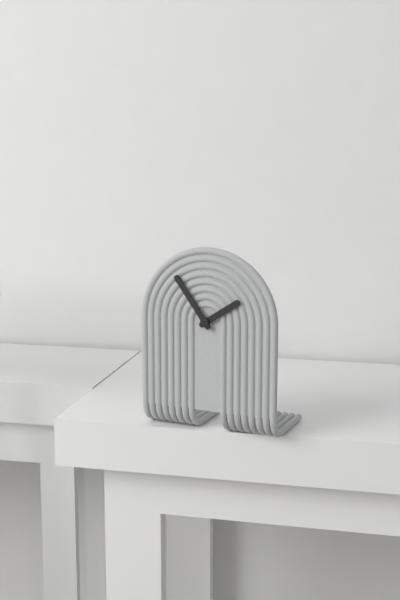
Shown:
1,54
